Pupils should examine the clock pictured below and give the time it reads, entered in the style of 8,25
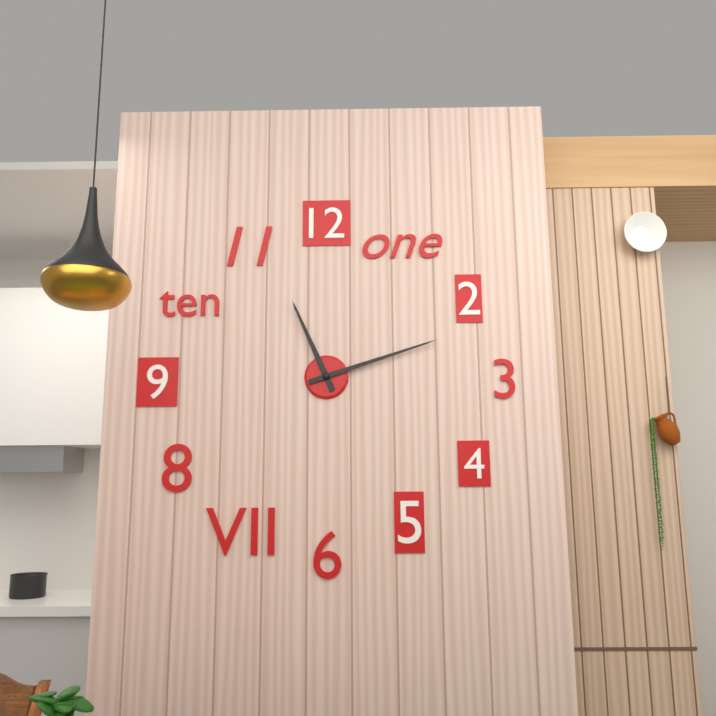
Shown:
11,12
